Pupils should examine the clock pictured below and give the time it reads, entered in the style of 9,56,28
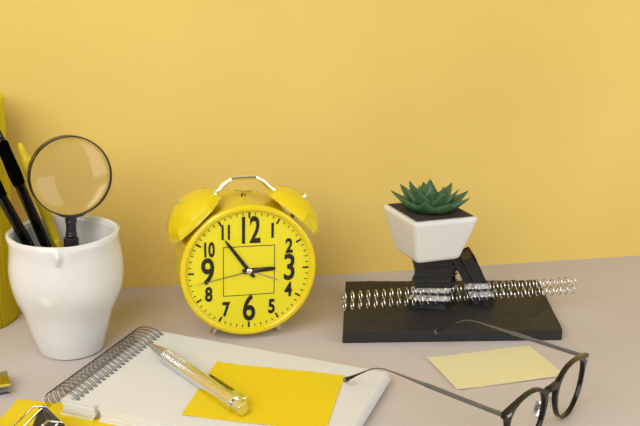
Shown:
2,54,43
